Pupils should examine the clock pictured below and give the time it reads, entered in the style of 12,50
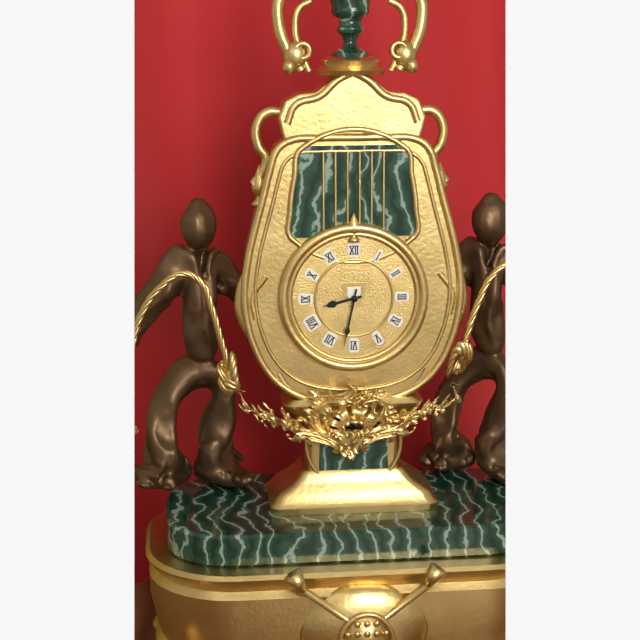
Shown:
8,32
